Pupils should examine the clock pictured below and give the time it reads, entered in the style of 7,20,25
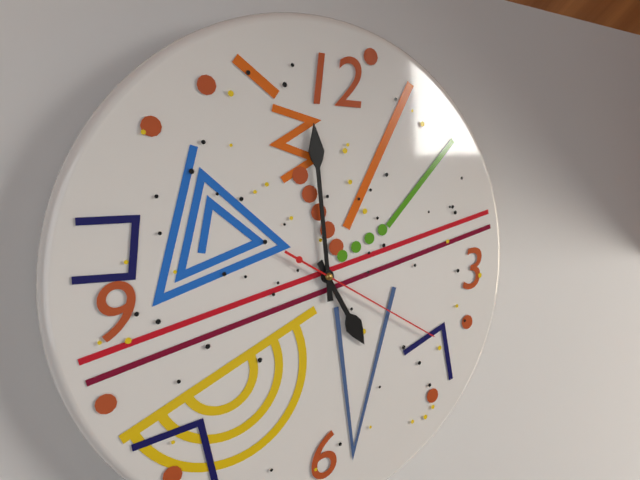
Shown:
4,59,20
